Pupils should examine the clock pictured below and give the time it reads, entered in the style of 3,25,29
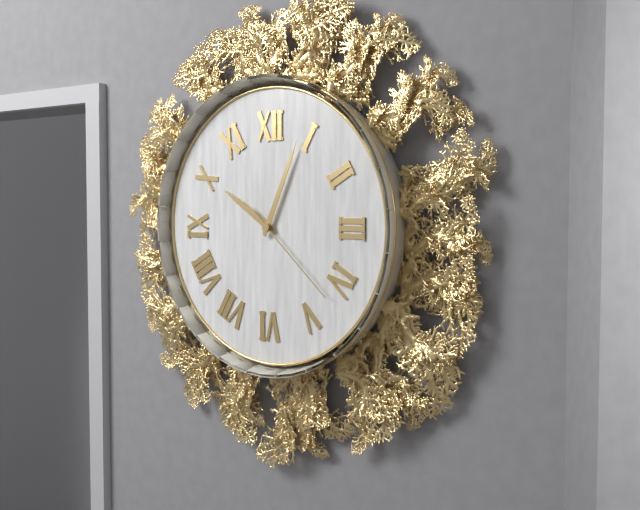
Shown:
10,04,22
